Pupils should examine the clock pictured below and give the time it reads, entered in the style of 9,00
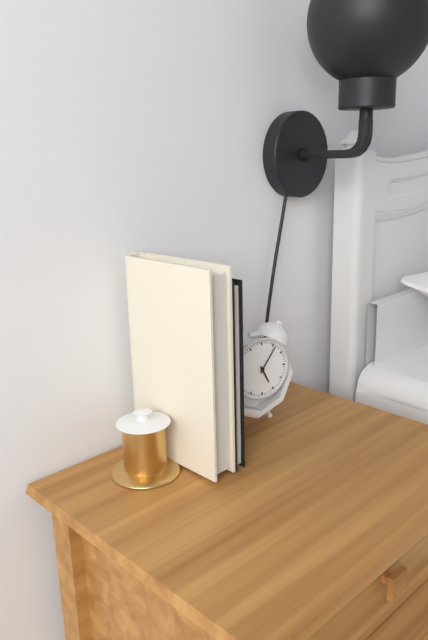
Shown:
5,06
